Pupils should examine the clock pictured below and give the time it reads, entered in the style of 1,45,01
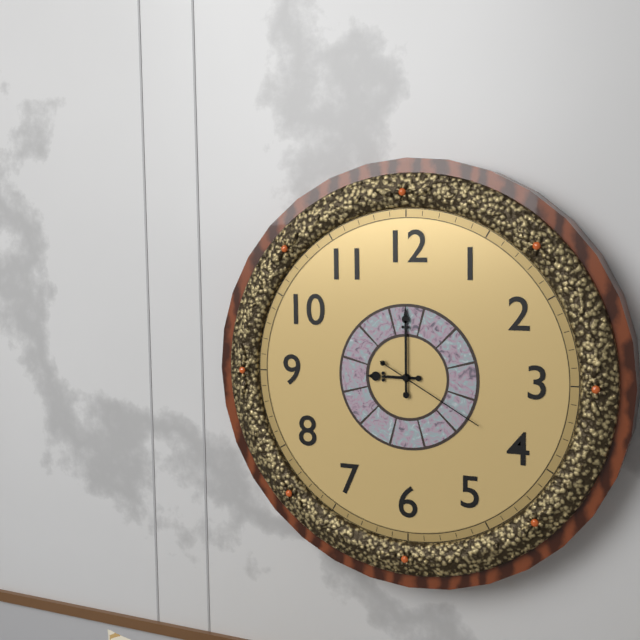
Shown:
9,00,20
